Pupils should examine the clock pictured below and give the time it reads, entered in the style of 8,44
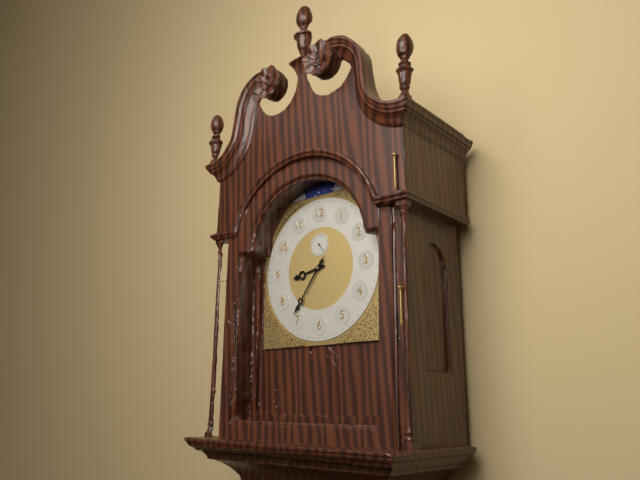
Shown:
8,36
